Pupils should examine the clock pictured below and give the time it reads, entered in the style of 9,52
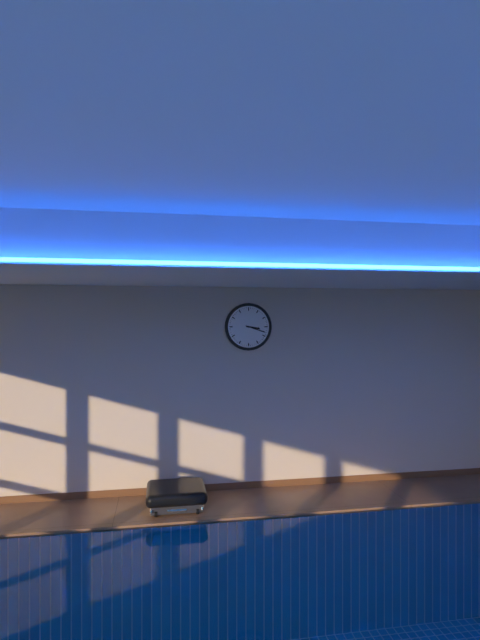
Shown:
3,18
